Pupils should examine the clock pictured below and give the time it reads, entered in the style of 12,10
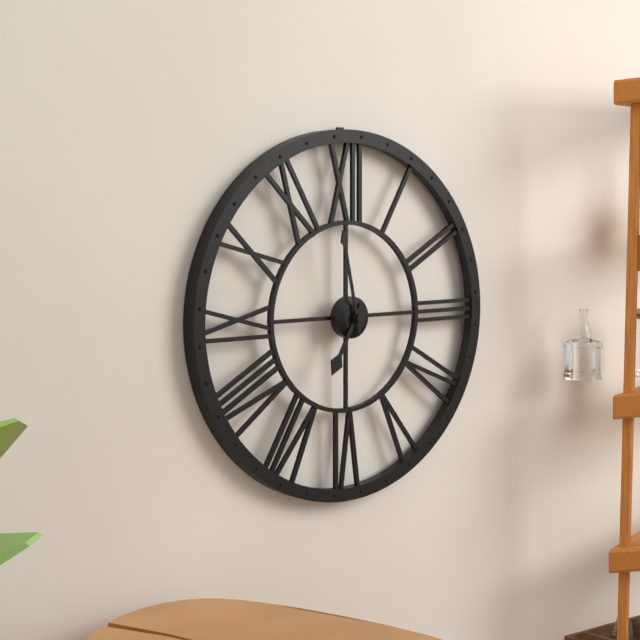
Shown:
6,58
